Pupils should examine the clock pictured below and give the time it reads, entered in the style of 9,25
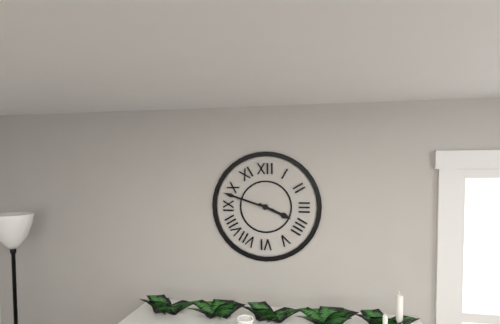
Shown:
3,48
